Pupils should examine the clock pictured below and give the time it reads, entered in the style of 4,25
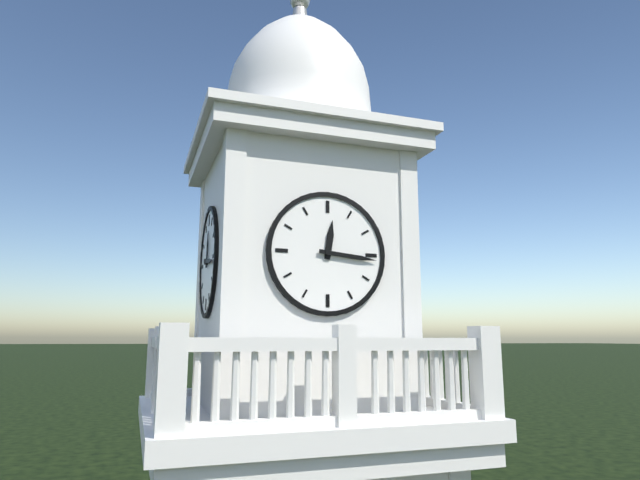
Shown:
12,16
